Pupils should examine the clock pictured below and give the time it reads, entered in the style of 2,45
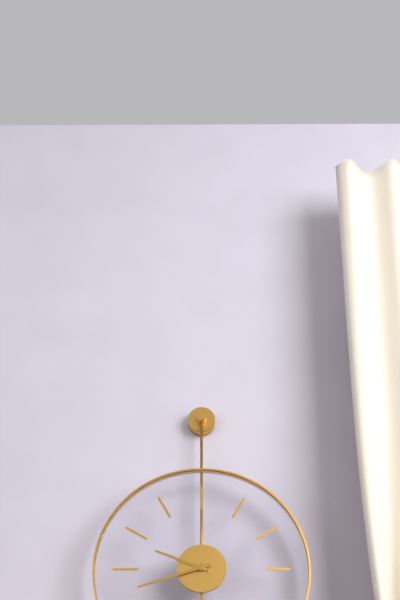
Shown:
9,42
